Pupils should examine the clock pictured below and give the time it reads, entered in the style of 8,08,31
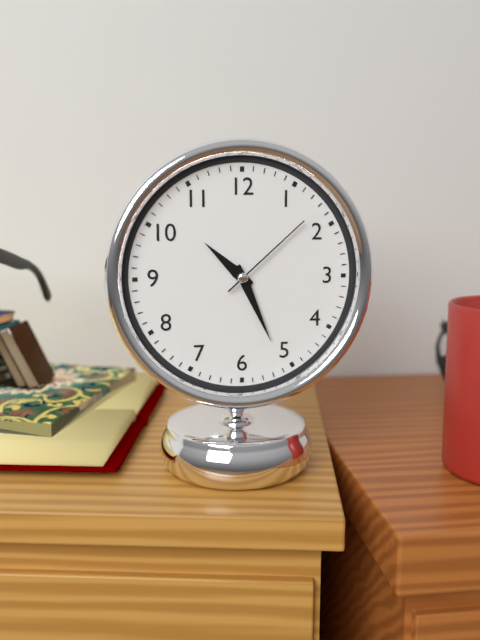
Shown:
10,26,08
